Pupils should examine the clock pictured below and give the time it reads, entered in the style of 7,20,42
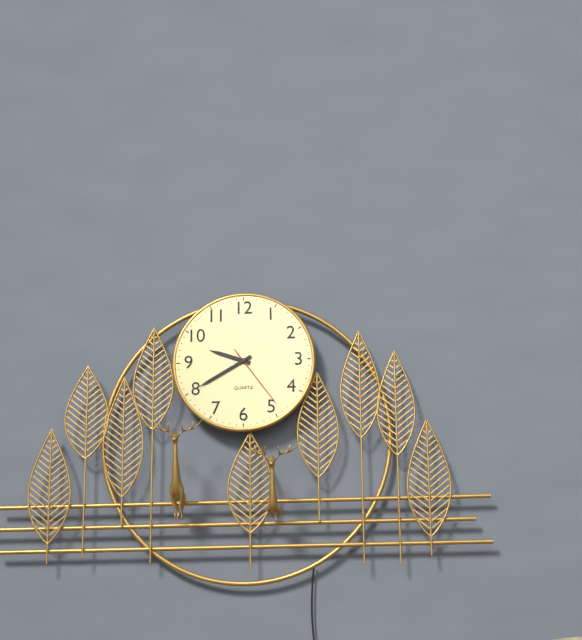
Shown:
9,40,24
